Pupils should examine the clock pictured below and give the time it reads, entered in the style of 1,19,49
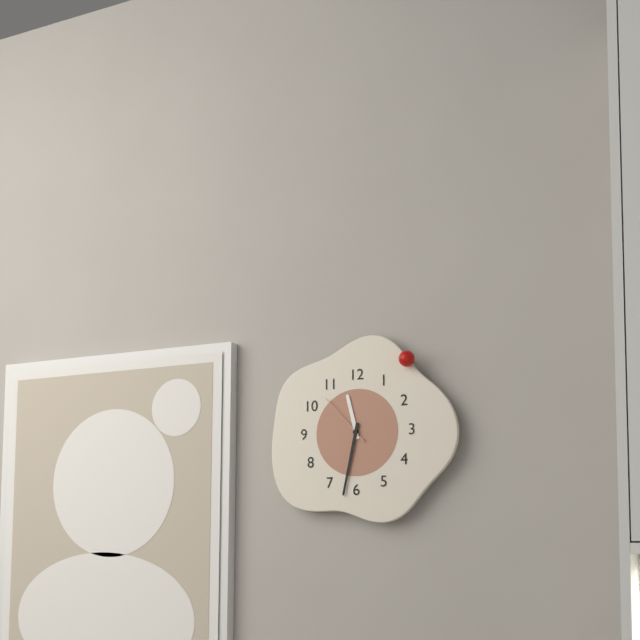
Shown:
11,32,53
